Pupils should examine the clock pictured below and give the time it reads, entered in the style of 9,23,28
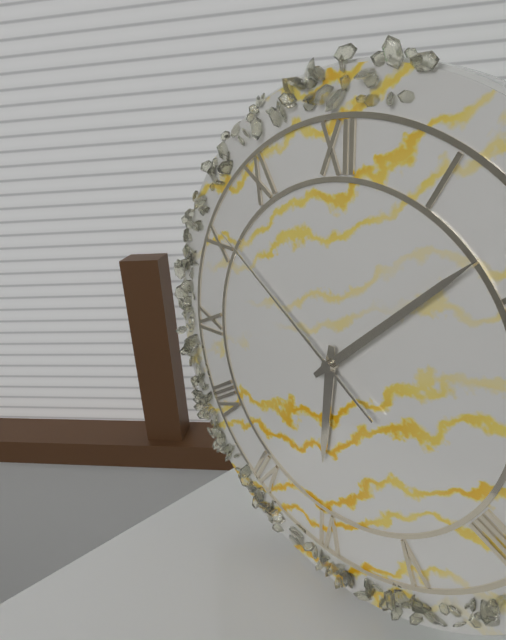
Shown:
6,08,51
